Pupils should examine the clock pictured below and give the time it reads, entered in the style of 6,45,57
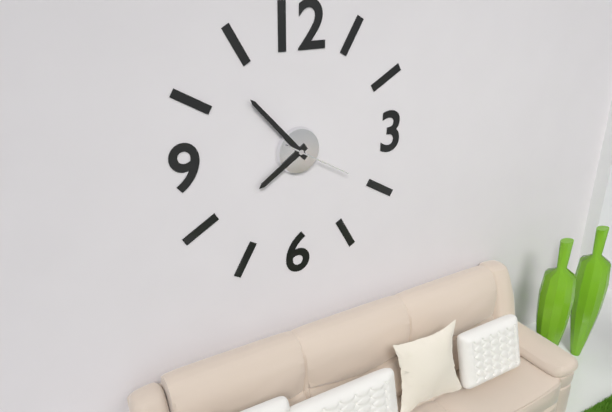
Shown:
7,53,20
